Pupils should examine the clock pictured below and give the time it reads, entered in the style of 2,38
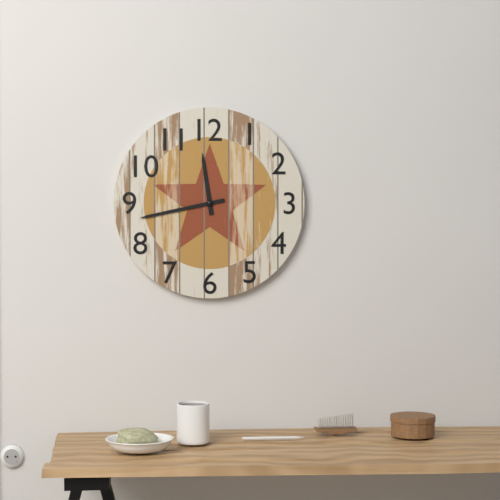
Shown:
11,43
